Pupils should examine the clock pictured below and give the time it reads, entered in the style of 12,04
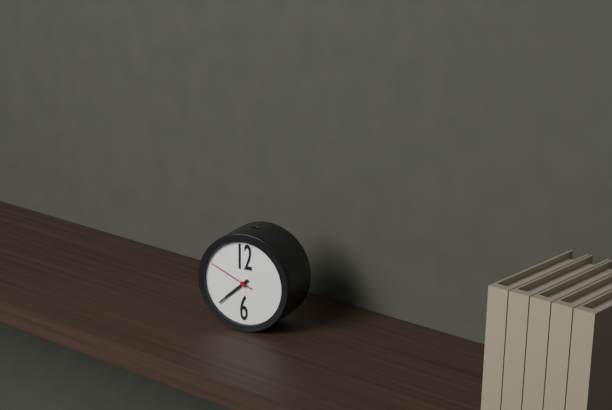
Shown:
7,38
